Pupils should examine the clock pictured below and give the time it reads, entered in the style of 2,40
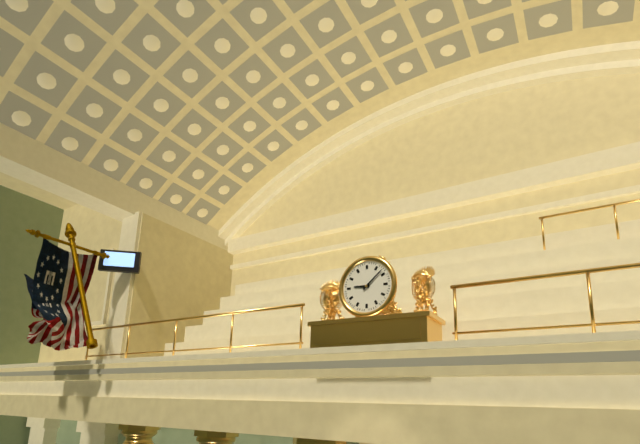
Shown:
9,08
